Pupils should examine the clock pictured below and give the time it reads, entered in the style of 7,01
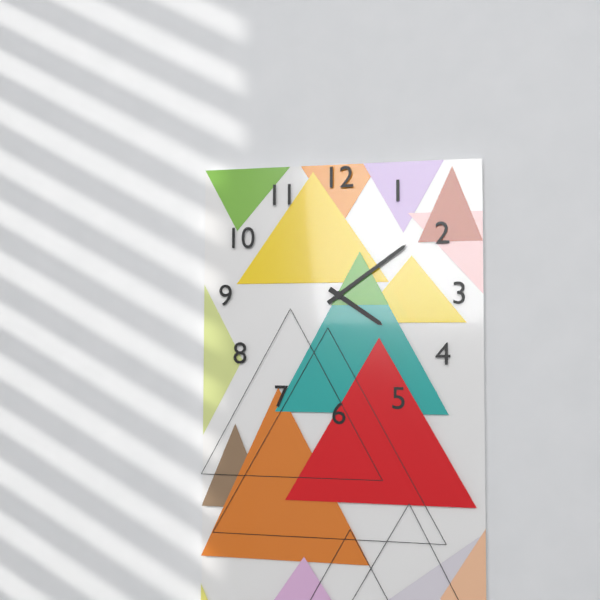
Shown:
4,09
